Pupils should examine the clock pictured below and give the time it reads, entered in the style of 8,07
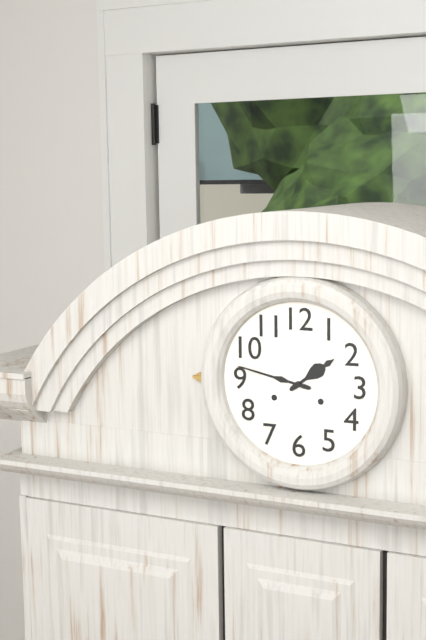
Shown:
1,47
